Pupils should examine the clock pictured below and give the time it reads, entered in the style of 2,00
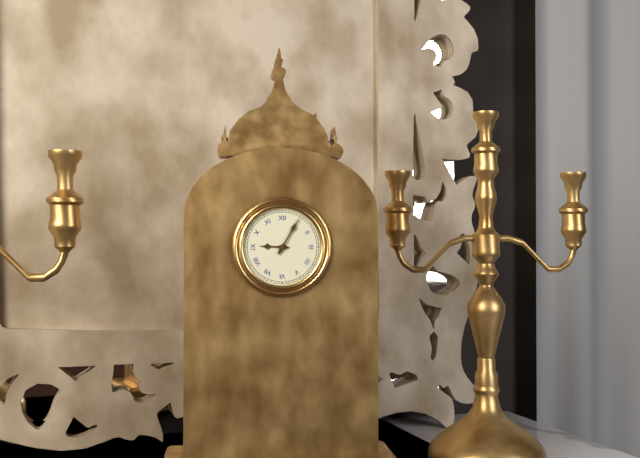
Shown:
9,05
